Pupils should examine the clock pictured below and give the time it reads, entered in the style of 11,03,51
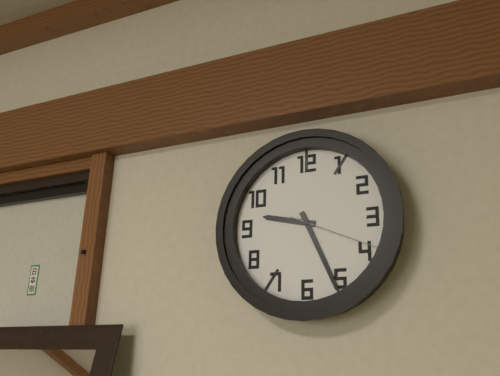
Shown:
9,26,19
